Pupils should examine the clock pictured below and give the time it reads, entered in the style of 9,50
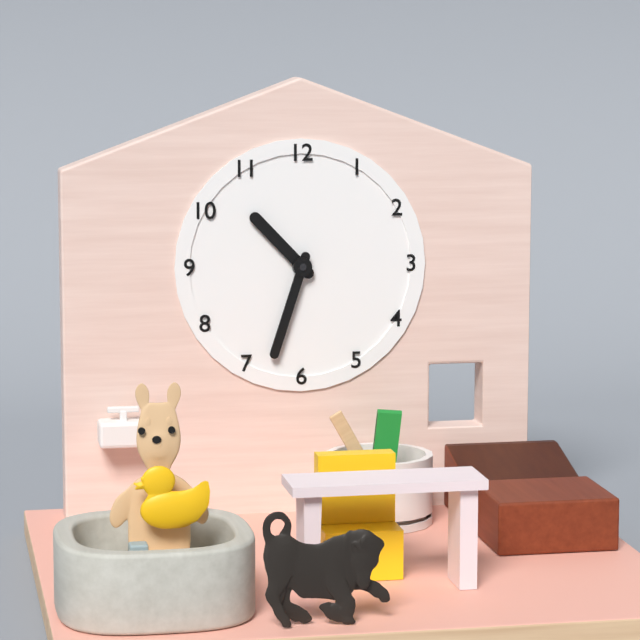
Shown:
10,33
